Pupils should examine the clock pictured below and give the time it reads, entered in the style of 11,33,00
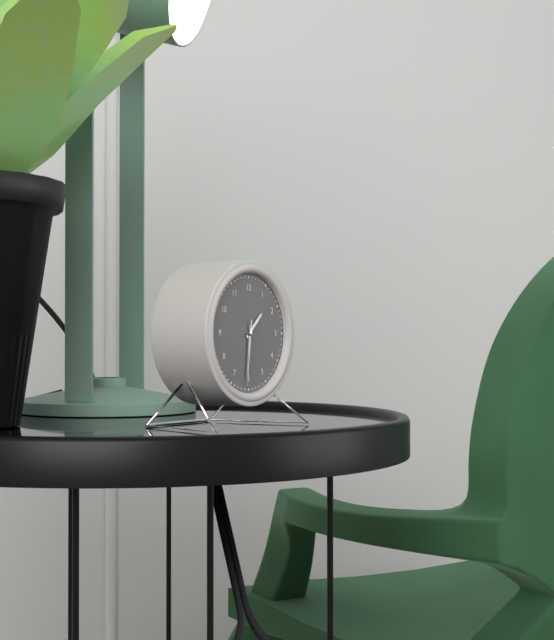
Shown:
1,31,31
